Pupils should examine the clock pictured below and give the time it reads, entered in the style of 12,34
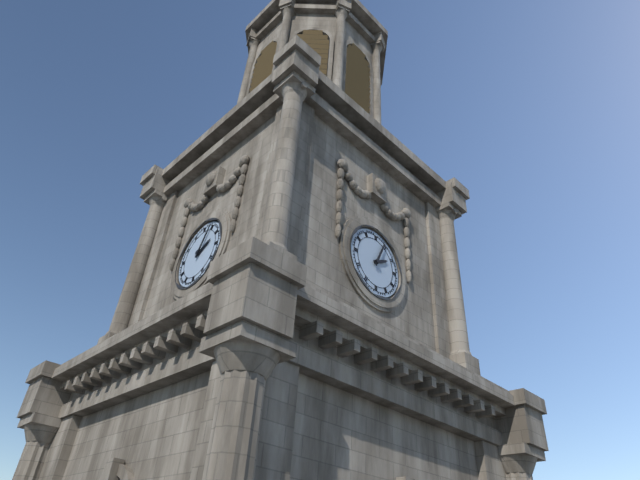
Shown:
2,04
